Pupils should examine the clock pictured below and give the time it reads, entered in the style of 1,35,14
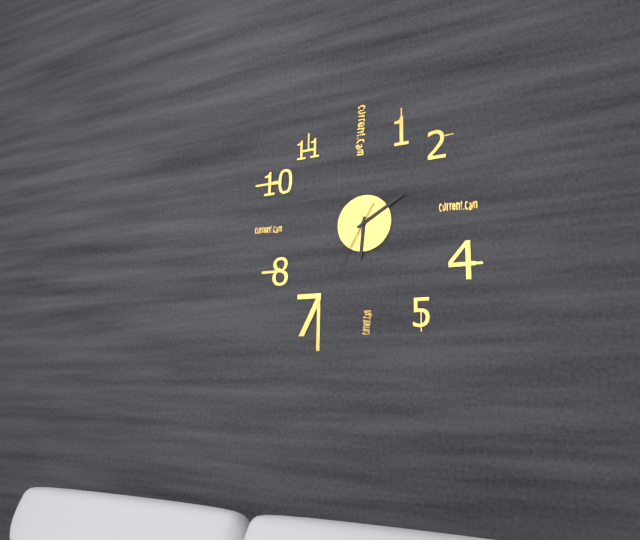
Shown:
6,10,35
